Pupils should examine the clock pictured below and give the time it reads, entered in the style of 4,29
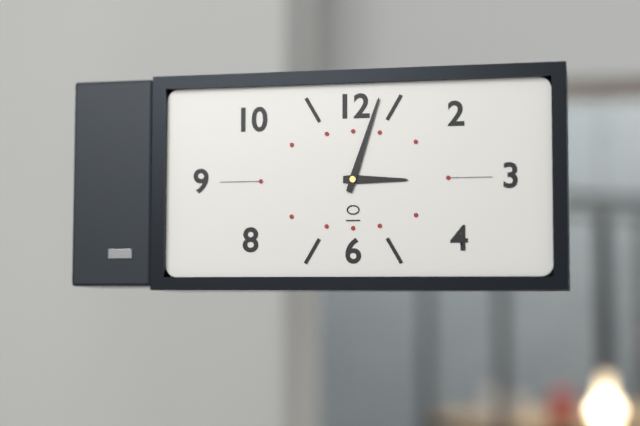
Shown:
3,03
